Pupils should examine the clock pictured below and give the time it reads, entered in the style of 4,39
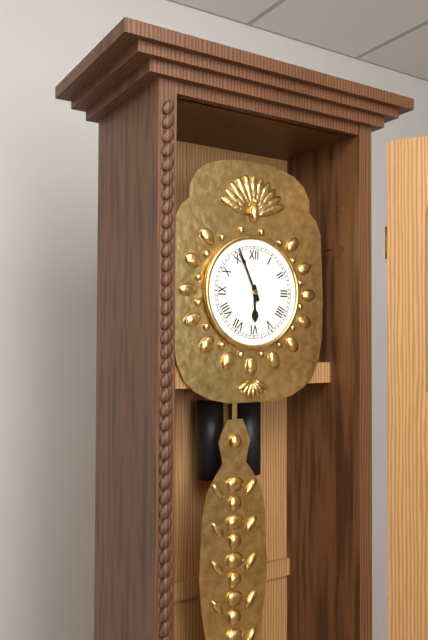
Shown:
5,56
